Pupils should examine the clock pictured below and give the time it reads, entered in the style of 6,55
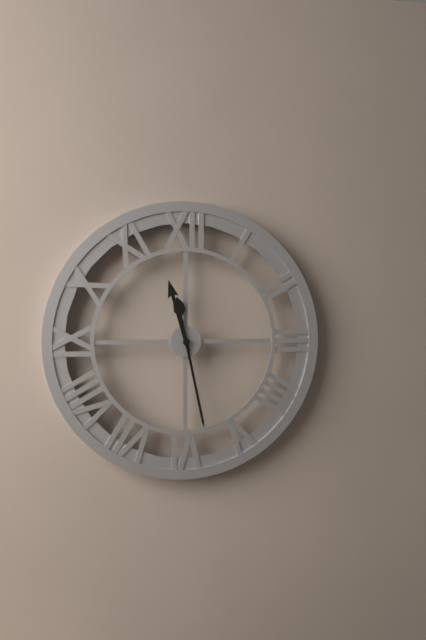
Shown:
11,28
